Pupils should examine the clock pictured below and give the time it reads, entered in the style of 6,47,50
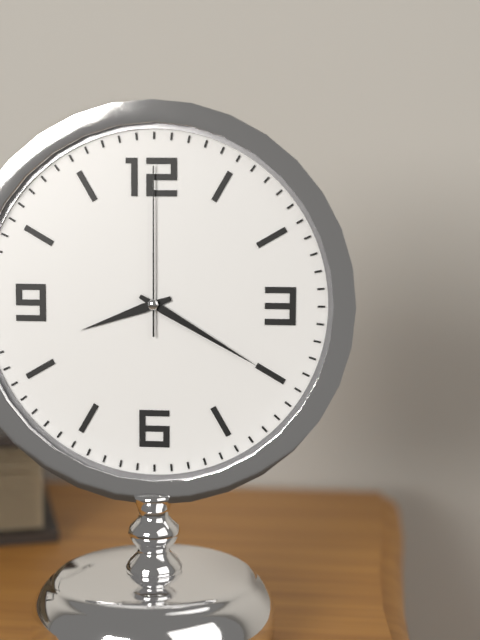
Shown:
8,20,00
